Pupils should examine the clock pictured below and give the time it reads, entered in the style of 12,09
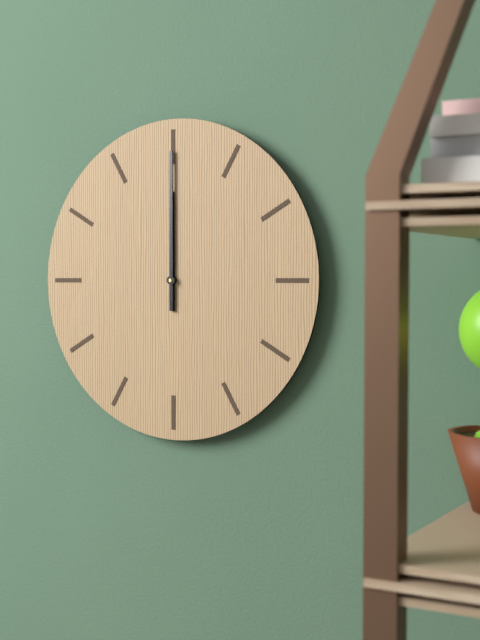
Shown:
12,00
